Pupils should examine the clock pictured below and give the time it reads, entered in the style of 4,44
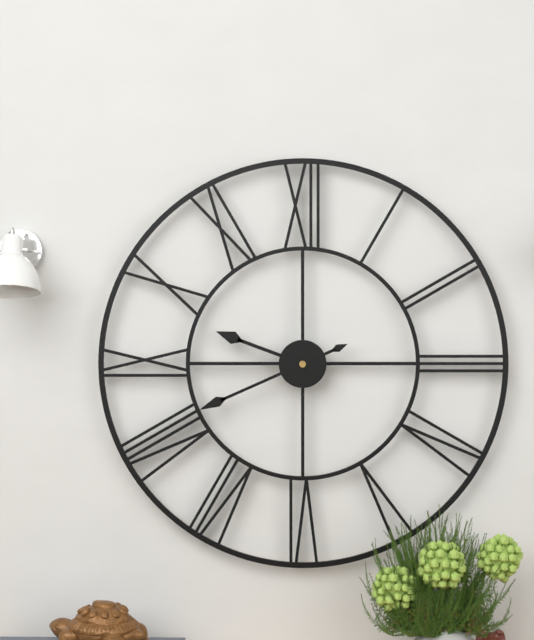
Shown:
9,41
